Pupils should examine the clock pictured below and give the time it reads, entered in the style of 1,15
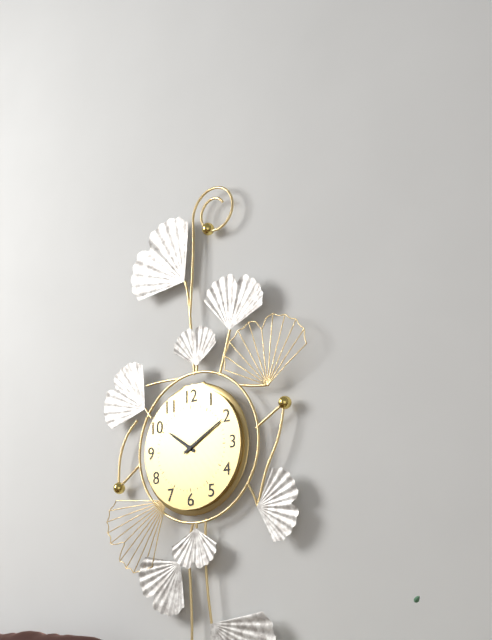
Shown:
10,10
